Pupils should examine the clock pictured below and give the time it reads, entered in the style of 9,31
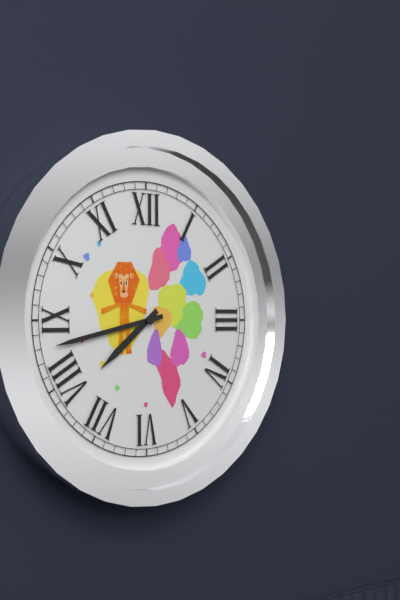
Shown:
7,43
